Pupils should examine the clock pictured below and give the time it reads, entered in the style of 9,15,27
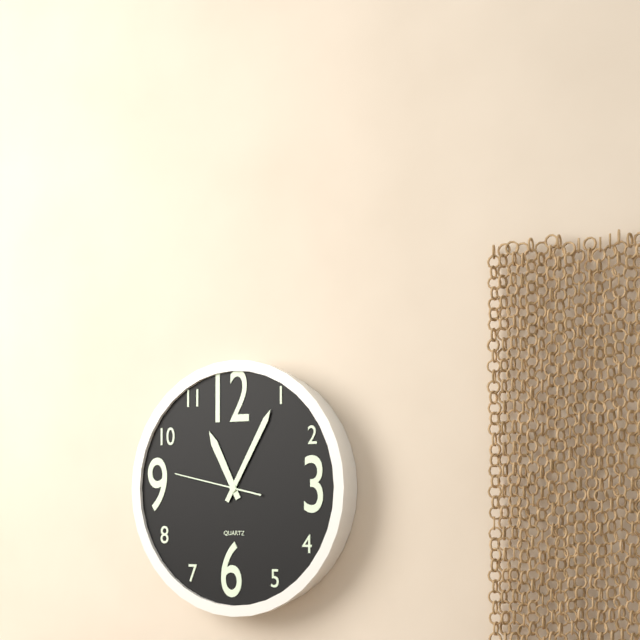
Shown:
11,05,47
